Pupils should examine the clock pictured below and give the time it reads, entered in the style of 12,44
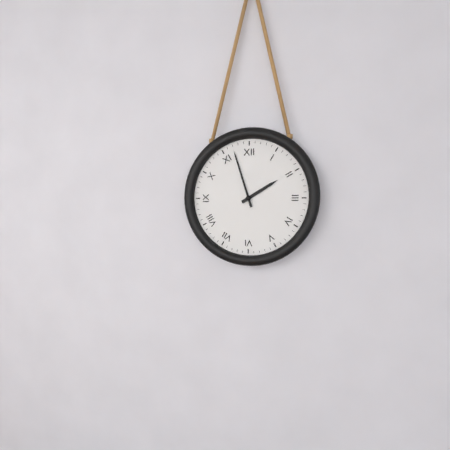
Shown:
1,57
